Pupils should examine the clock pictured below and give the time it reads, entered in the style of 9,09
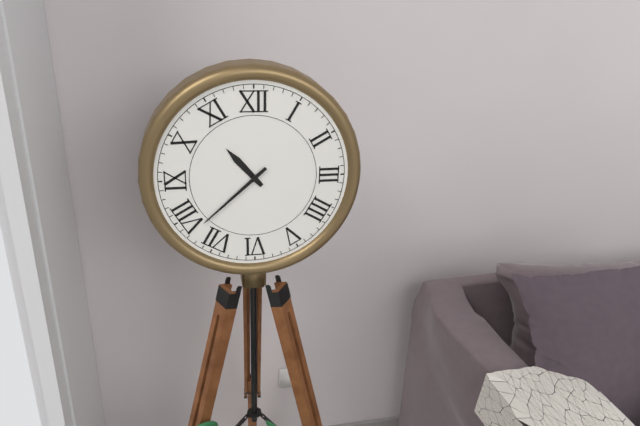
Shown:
10,38
